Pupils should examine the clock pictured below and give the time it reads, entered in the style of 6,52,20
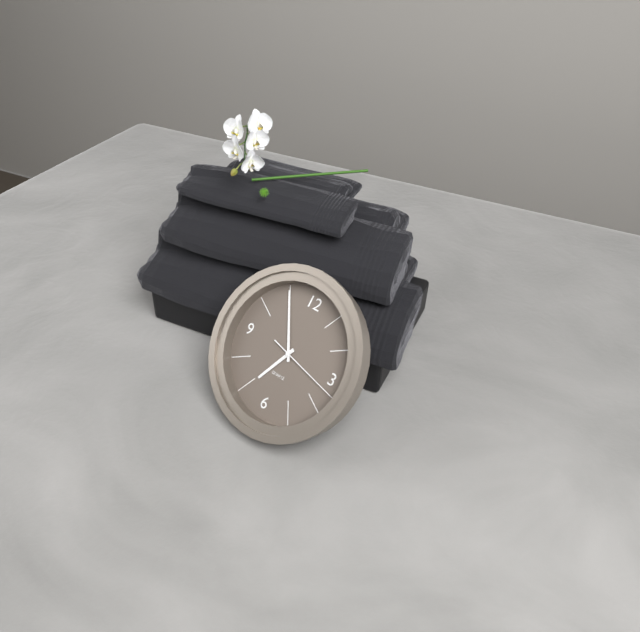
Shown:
6,55,17
